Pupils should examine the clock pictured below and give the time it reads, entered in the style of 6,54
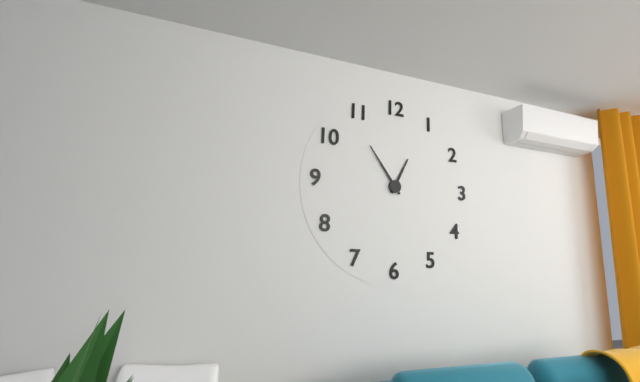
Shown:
12,54
